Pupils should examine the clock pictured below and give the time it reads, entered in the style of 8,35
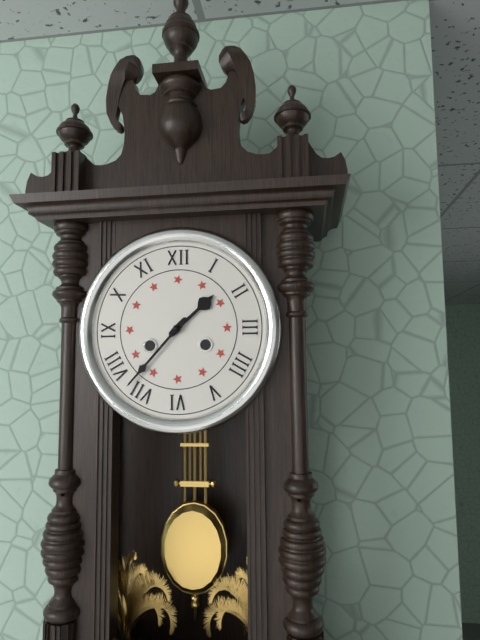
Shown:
1,37
